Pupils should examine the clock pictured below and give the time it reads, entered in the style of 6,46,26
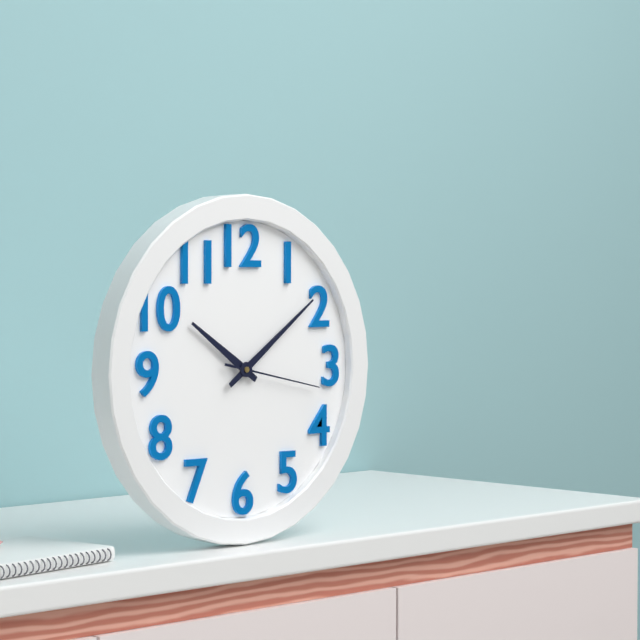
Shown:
10,09,17
